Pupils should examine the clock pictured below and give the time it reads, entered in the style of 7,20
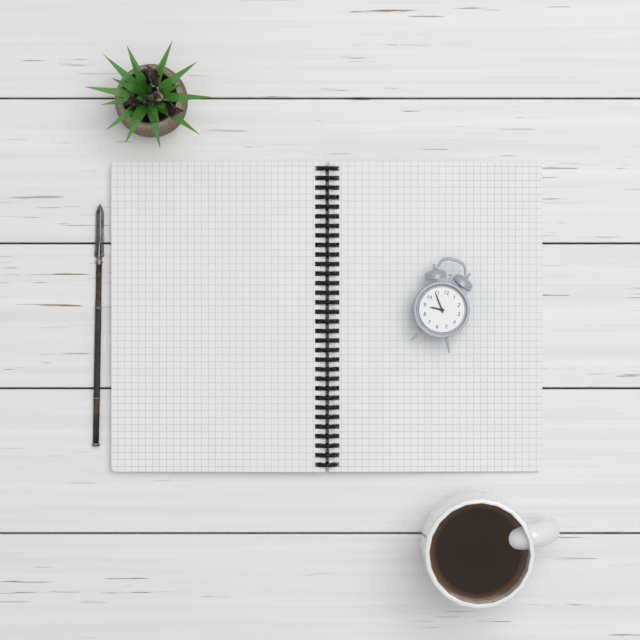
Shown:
8,54
